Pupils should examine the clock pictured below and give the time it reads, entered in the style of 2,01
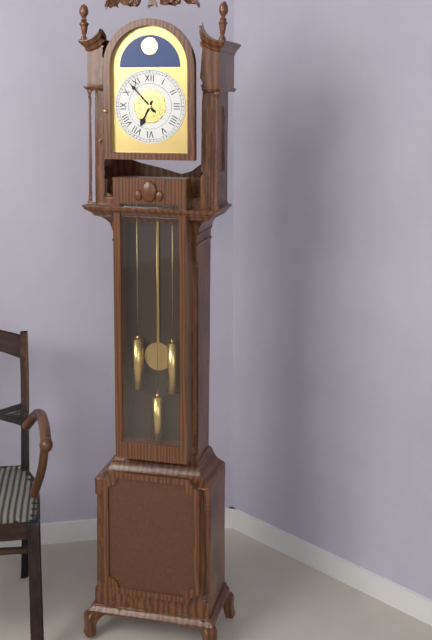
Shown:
6,53
